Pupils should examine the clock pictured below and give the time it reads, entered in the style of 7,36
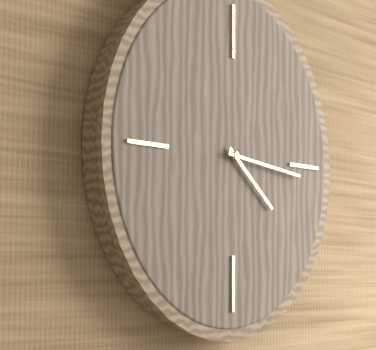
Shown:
4,16
